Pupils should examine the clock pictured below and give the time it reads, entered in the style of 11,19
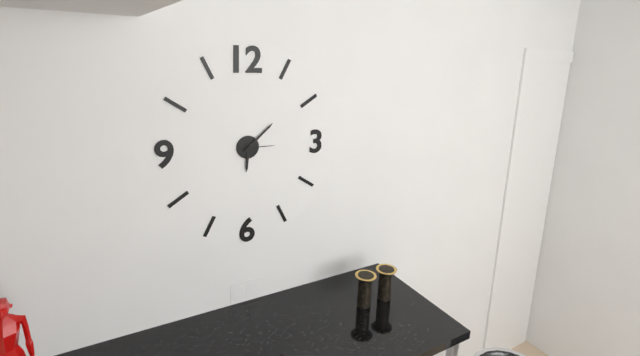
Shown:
6,08
